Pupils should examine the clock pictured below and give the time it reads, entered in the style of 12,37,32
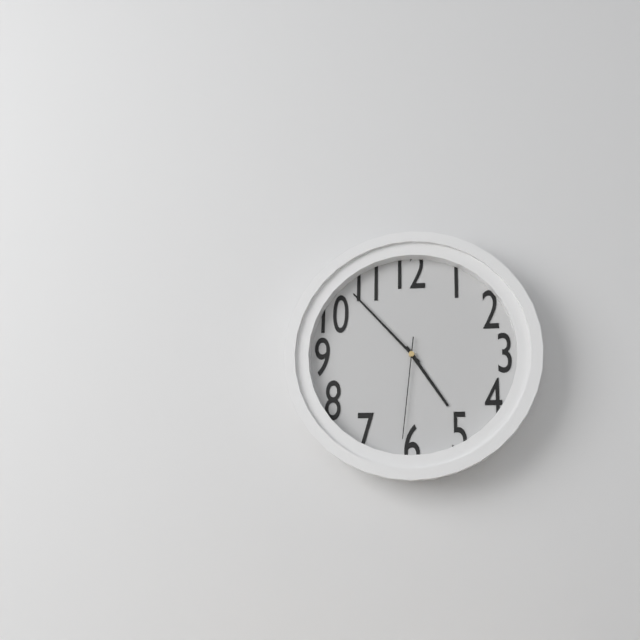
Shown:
4,53,31
